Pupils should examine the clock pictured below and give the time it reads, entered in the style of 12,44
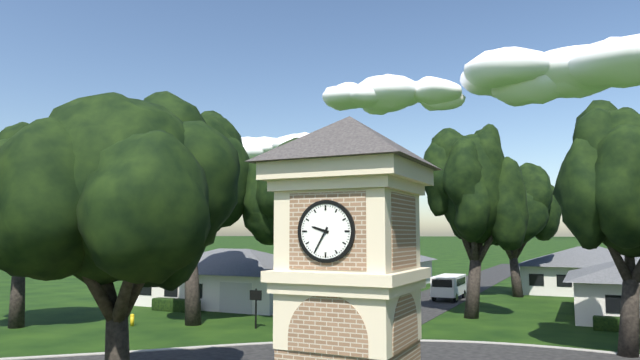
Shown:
9,35
